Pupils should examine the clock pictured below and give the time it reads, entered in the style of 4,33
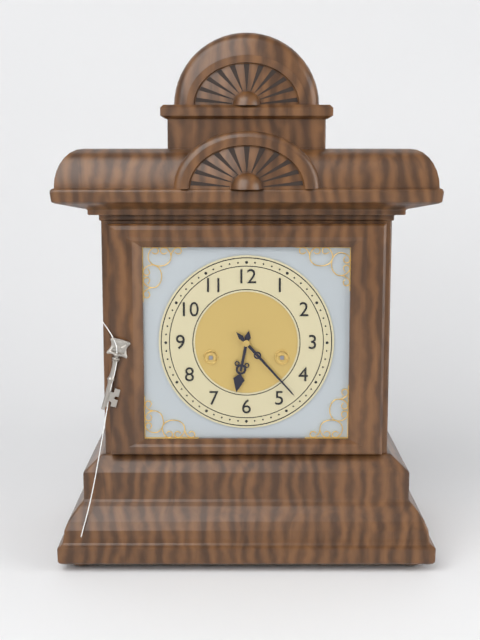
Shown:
6,23
